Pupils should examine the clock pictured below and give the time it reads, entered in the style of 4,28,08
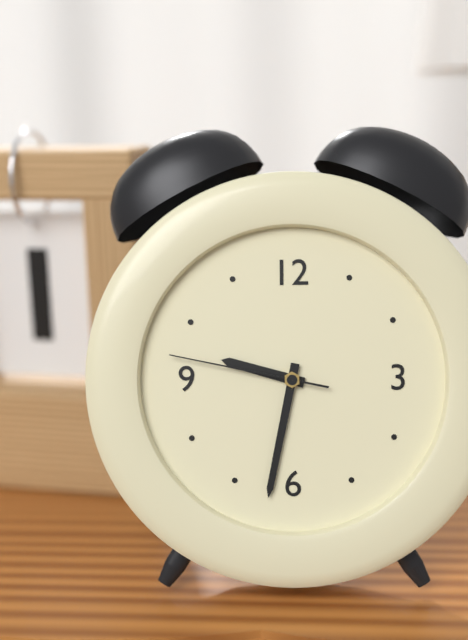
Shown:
9,32,47
